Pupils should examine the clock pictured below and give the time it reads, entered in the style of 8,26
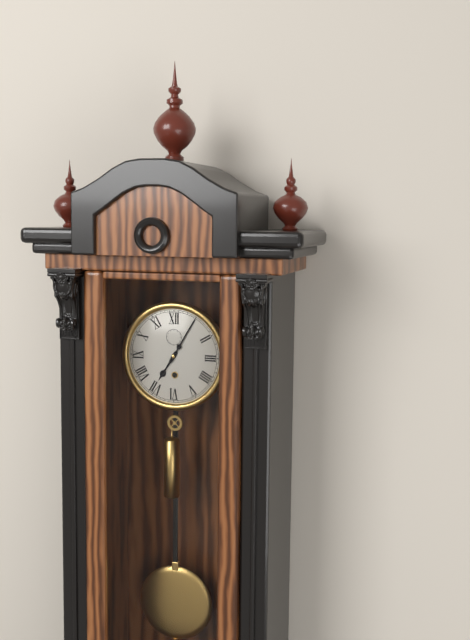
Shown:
7,05
